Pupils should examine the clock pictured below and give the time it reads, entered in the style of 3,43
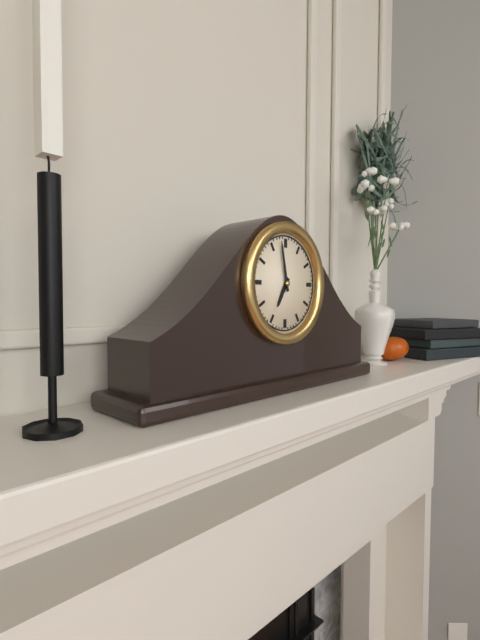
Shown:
6,58
